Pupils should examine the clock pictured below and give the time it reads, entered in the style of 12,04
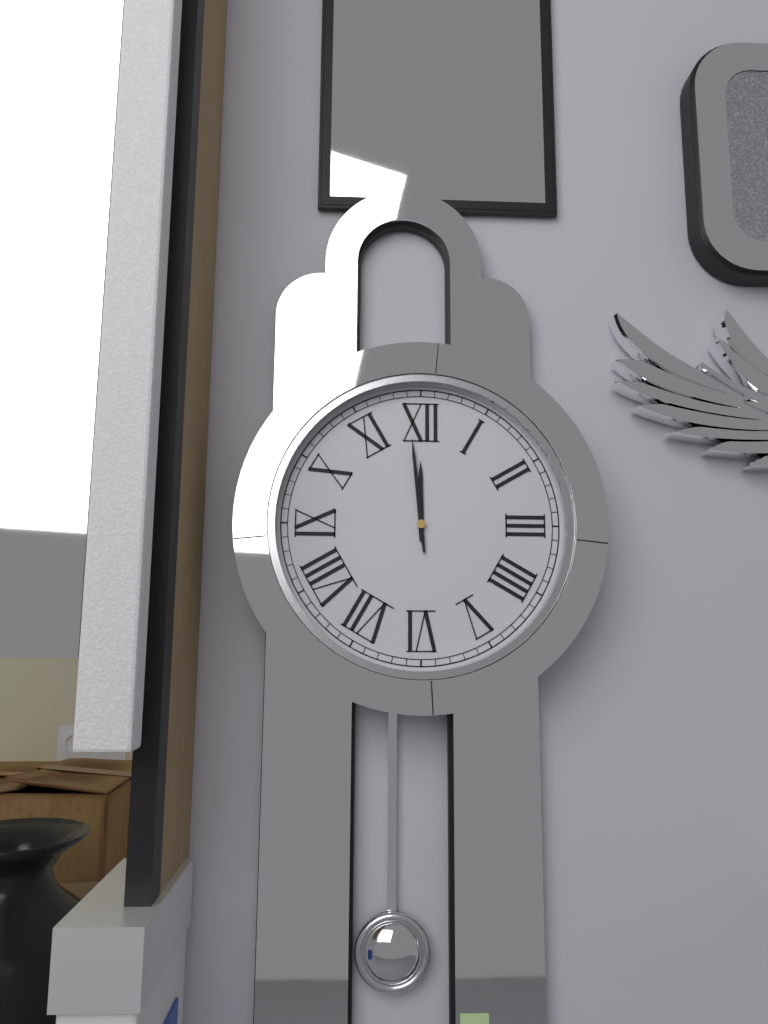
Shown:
11,59
